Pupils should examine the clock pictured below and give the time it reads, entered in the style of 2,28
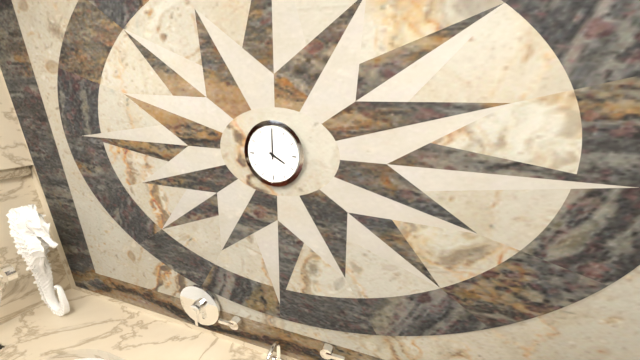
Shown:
4,00
